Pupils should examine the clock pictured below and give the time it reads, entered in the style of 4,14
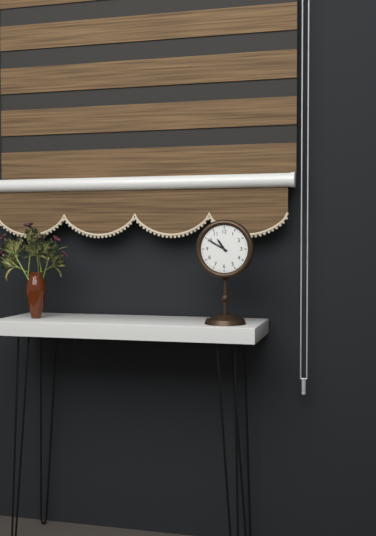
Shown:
10,50
